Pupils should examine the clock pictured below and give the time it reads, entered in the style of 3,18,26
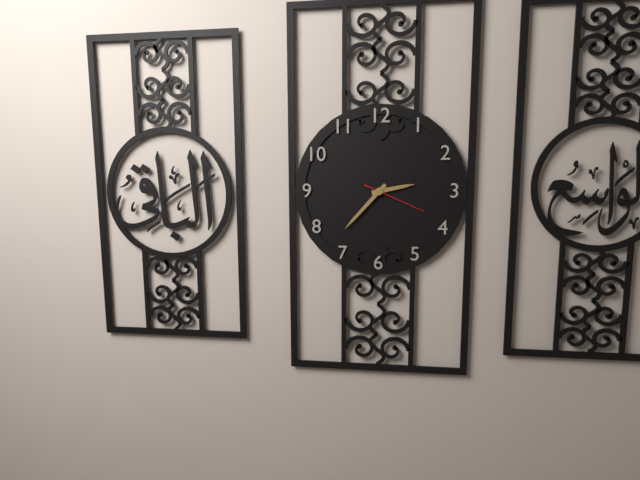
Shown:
2,37,19
